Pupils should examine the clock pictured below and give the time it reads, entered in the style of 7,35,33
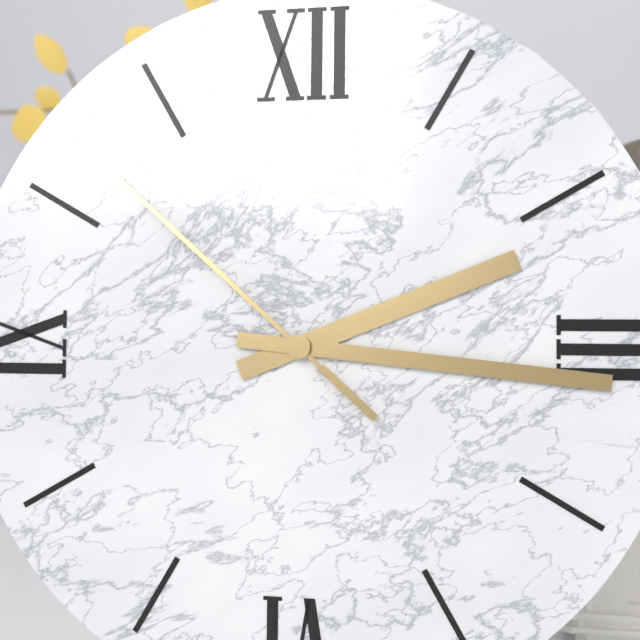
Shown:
2,16,52
